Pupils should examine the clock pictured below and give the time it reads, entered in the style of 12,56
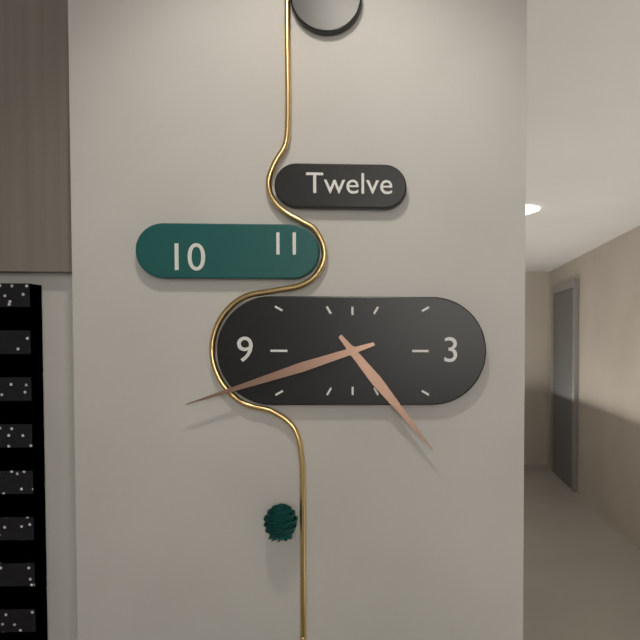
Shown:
4,42
